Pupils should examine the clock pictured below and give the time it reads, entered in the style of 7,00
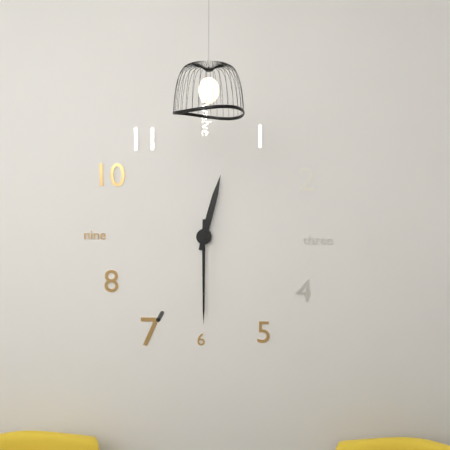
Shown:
12,30
